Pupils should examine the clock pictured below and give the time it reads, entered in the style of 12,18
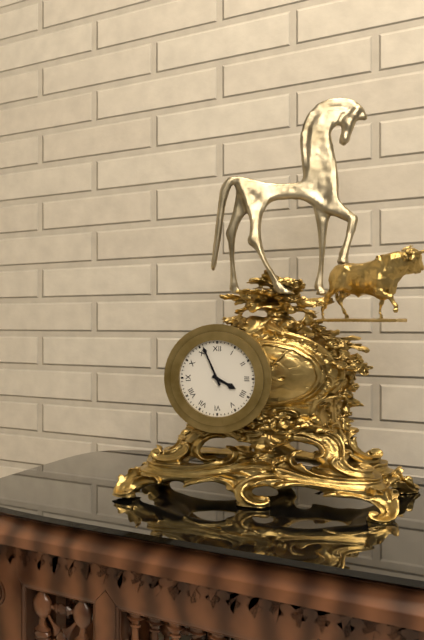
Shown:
3,56
